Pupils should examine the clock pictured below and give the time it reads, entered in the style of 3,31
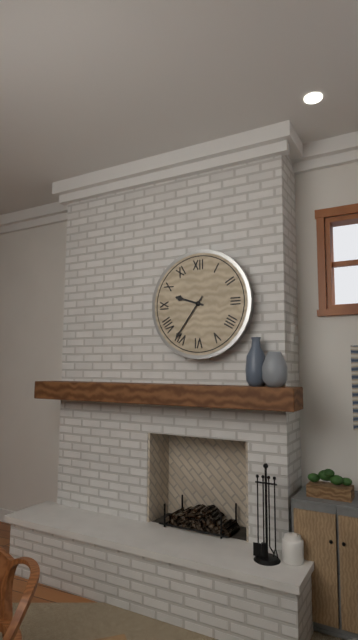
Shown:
9,36
